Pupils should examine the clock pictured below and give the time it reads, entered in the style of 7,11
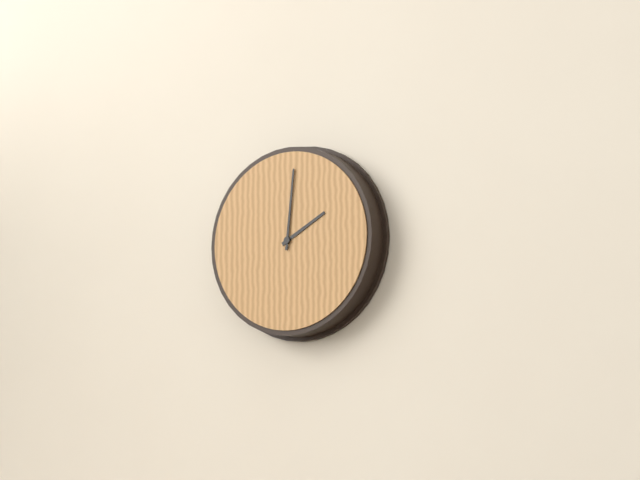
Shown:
2,01
